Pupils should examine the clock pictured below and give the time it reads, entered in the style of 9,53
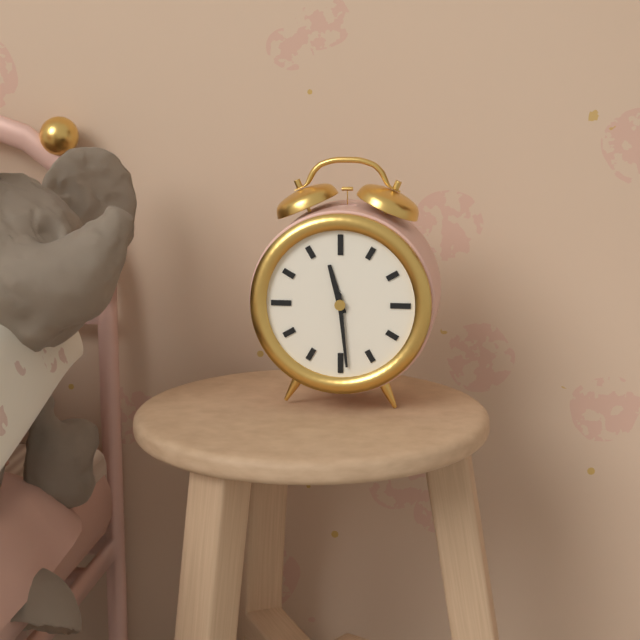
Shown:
11,29
